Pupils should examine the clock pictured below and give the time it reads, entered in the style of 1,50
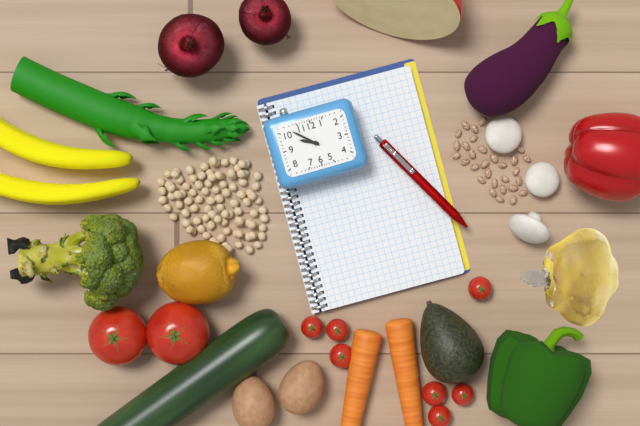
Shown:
9,52
